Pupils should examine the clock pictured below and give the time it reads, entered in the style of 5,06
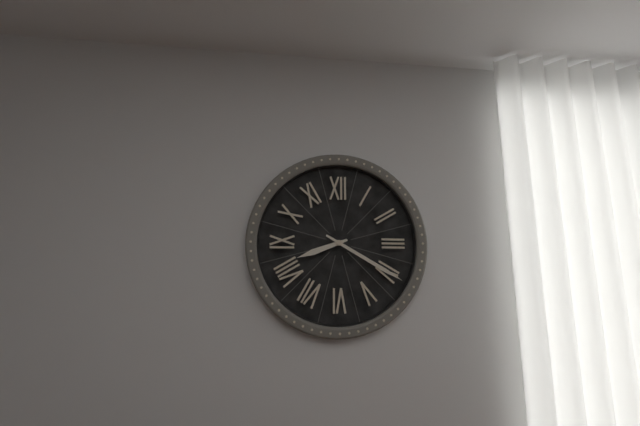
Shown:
8,20
